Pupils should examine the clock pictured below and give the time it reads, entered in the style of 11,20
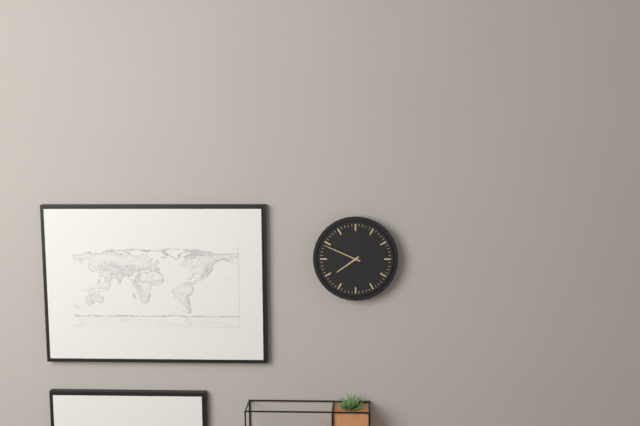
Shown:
7,49
